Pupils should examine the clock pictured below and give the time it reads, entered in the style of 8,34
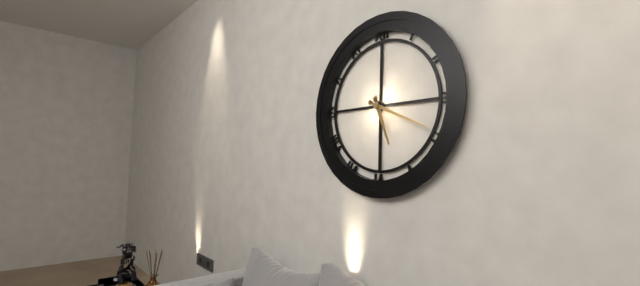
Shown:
5,19
